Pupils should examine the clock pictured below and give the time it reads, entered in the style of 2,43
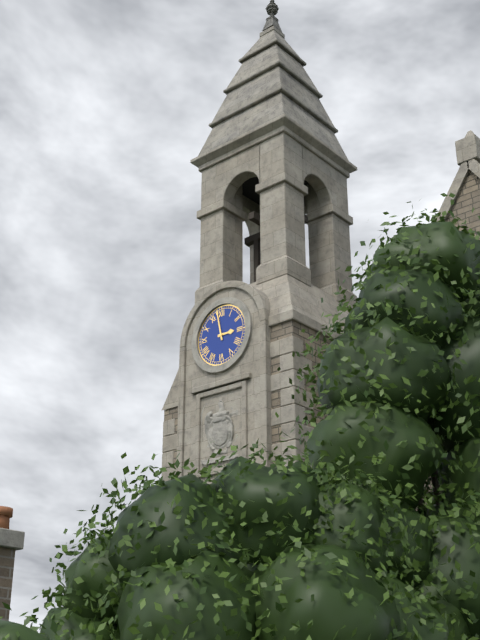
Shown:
2,58
